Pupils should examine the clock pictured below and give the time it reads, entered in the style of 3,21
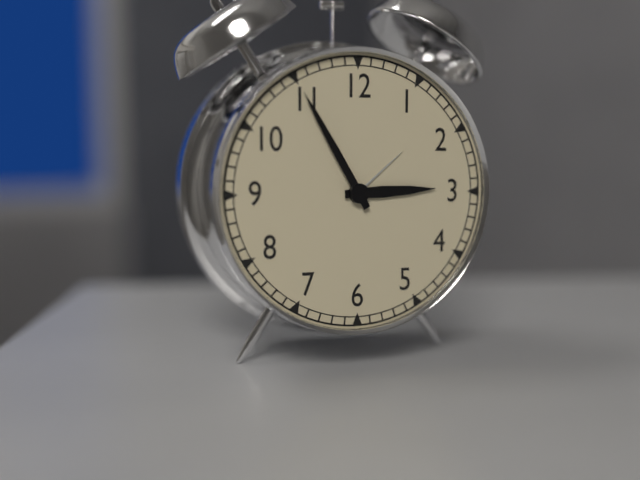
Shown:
2,55
